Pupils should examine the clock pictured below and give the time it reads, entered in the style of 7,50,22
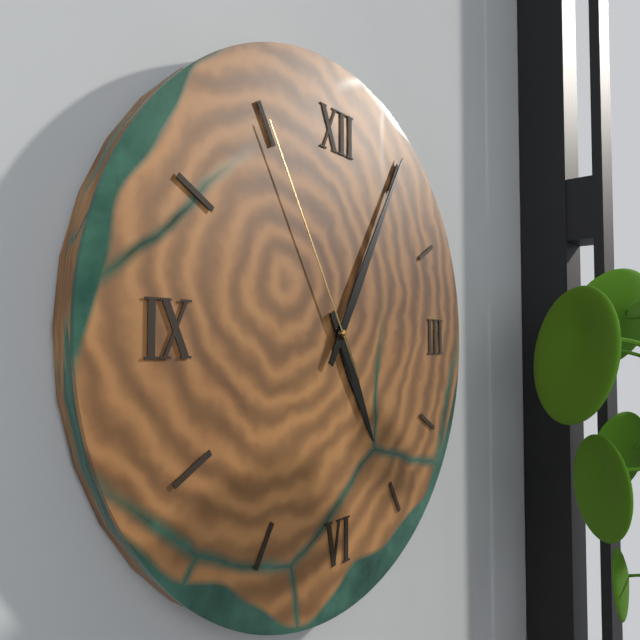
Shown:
5,05,55
